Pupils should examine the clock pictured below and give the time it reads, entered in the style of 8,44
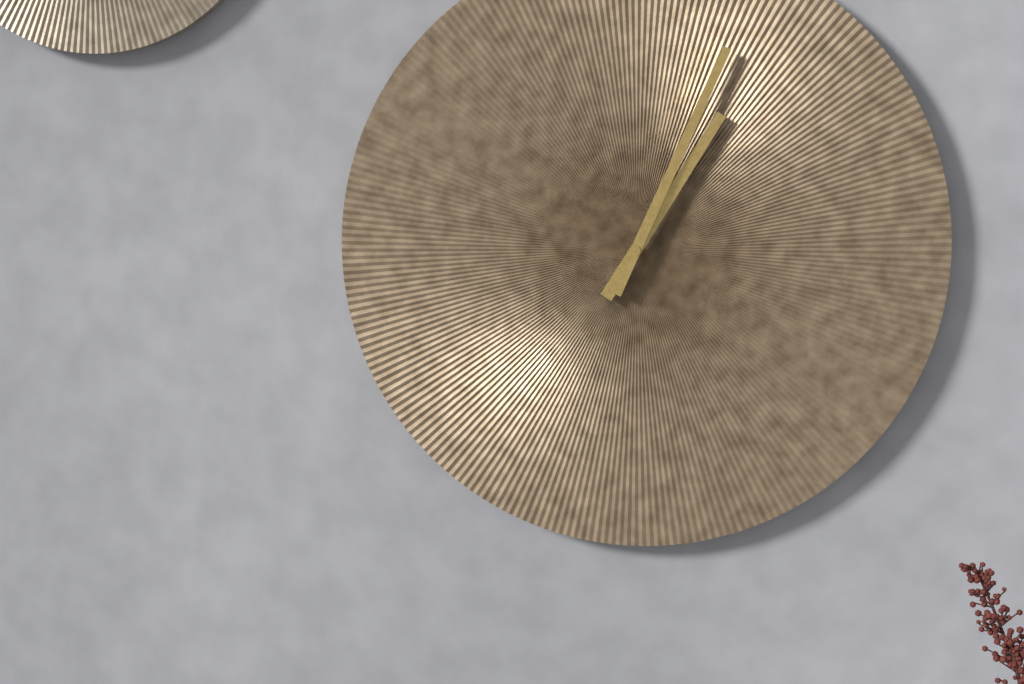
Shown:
1,04
